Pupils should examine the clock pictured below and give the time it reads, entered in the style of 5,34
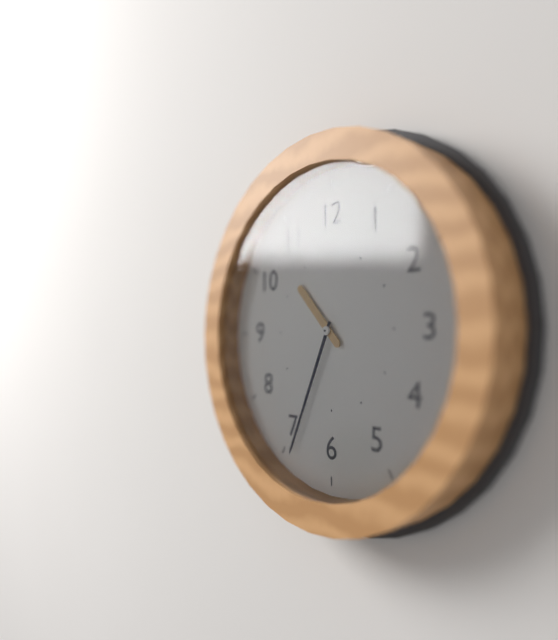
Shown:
10,34
